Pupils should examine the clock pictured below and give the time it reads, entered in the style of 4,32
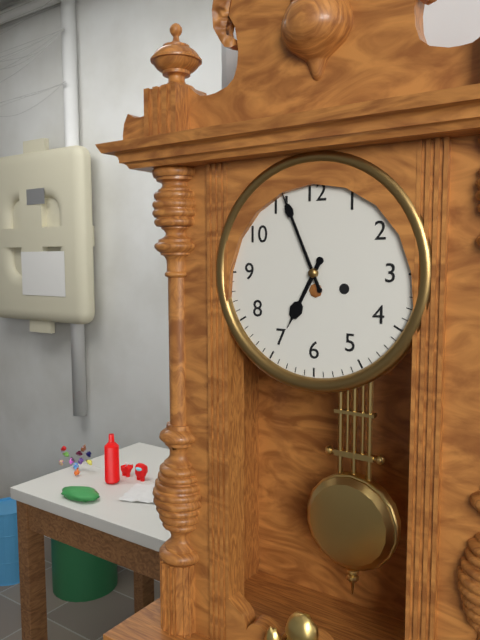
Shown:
6,56
